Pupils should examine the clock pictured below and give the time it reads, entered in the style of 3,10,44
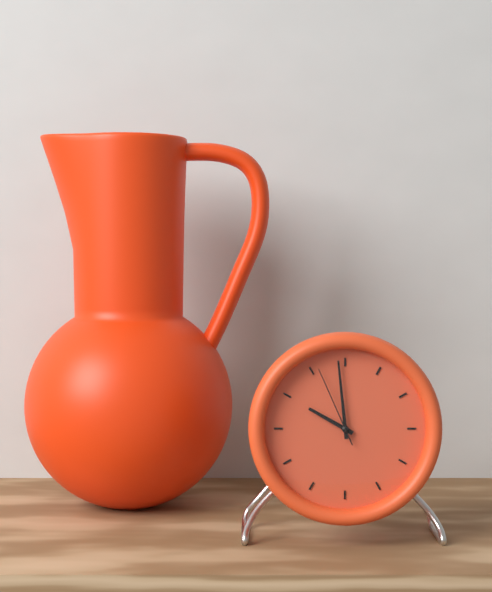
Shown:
9,59,56
